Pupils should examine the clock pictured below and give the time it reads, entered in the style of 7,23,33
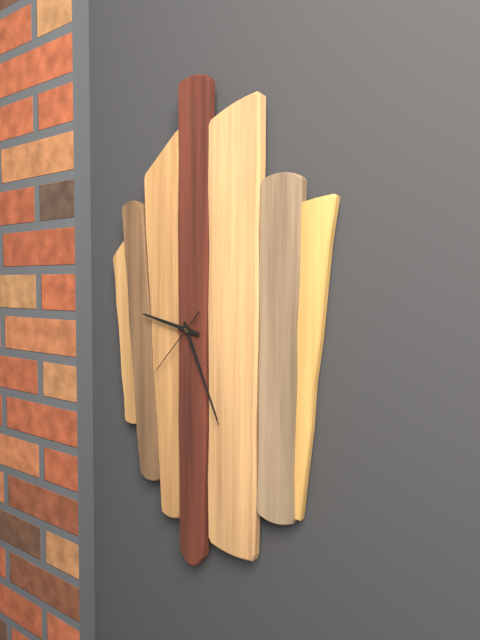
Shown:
9,26,37
